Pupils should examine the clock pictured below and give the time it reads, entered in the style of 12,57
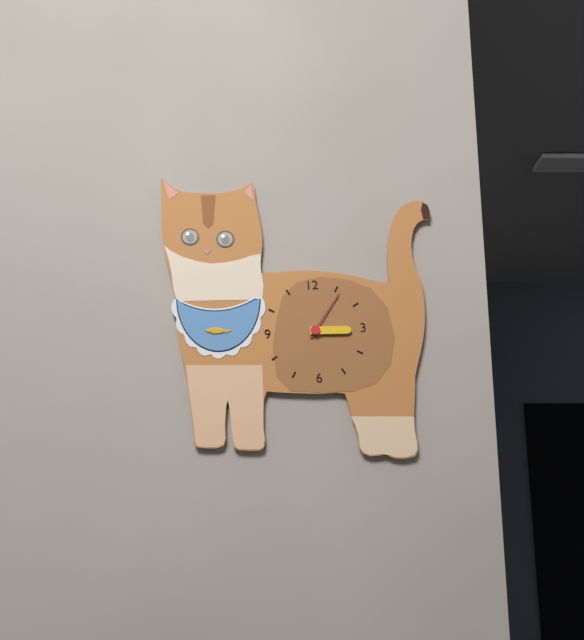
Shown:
3,06
